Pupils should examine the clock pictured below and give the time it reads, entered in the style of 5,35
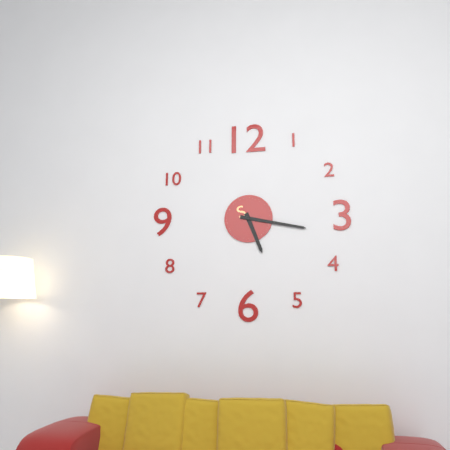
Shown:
5,17
